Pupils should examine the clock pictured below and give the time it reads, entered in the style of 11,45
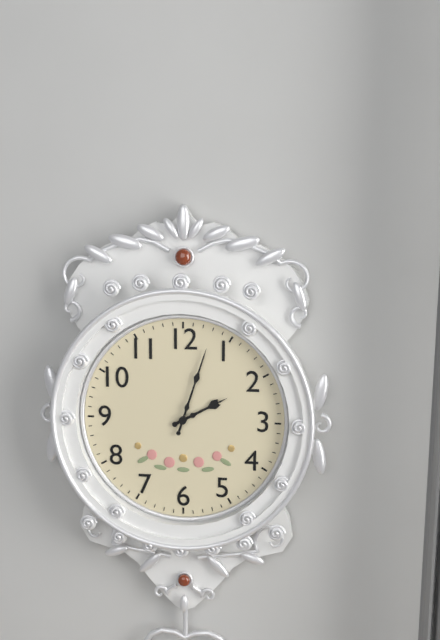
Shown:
2,03
